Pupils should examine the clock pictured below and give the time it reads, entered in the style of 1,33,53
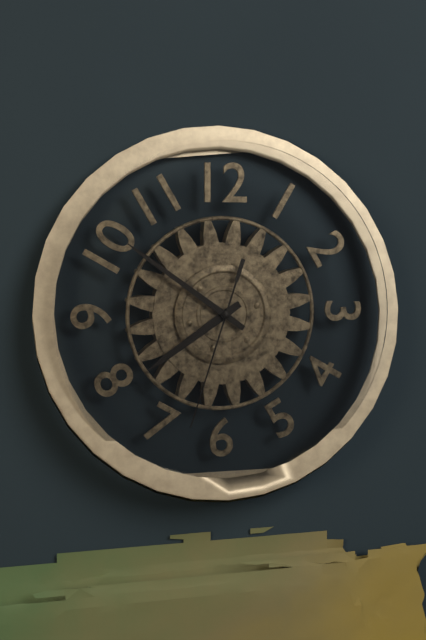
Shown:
7,51,33
